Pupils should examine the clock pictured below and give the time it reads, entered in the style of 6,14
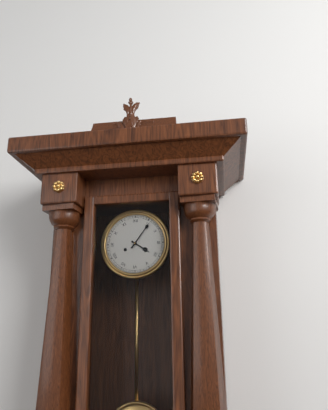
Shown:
4,06
